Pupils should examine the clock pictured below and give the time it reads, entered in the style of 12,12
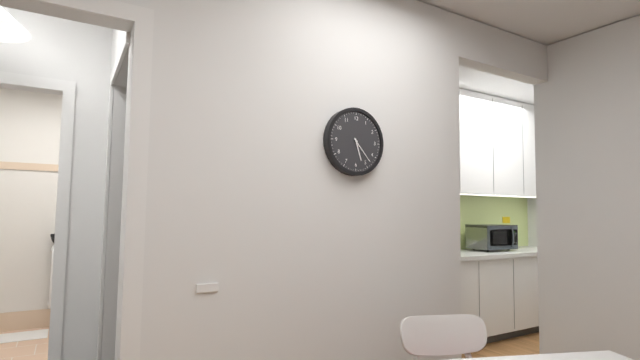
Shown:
5,23
